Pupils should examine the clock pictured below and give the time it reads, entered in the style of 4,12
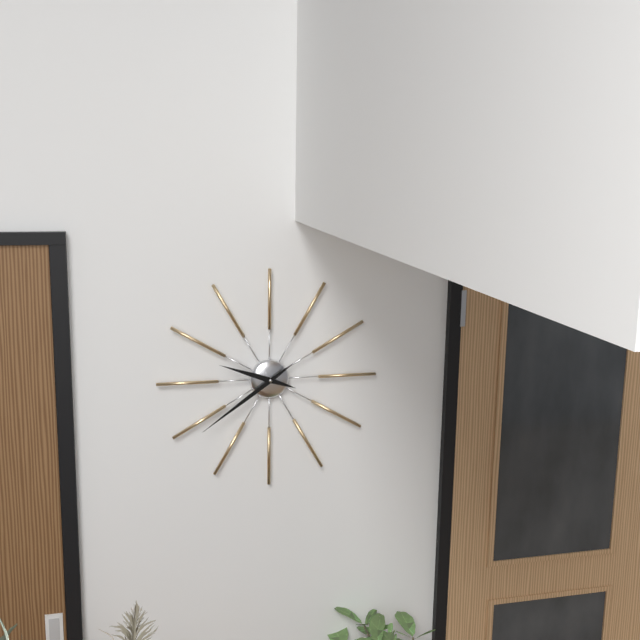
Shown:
9,39
